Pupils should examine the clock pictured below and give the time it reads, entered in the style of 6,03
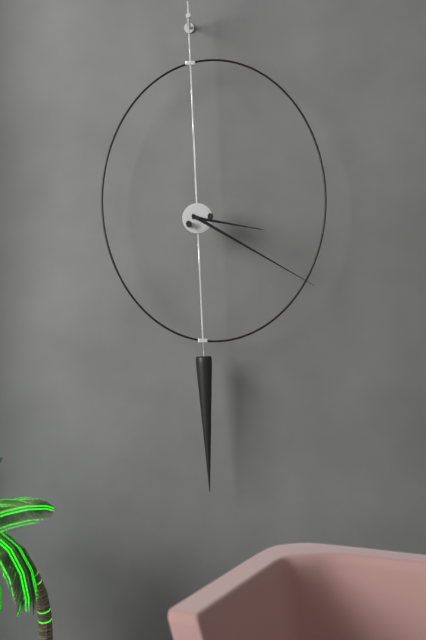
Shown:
3,20
